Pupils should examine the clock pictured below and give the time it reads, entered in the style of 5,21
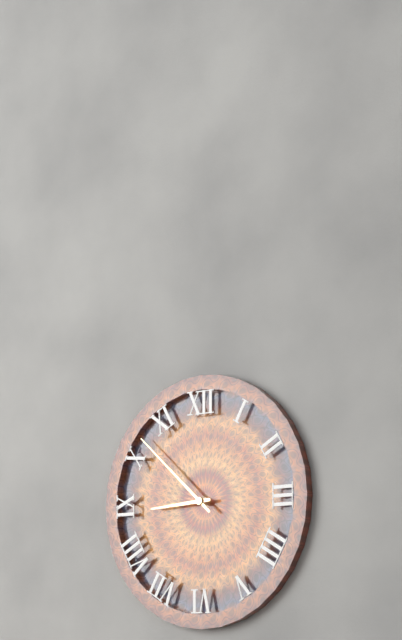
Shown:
8,52
